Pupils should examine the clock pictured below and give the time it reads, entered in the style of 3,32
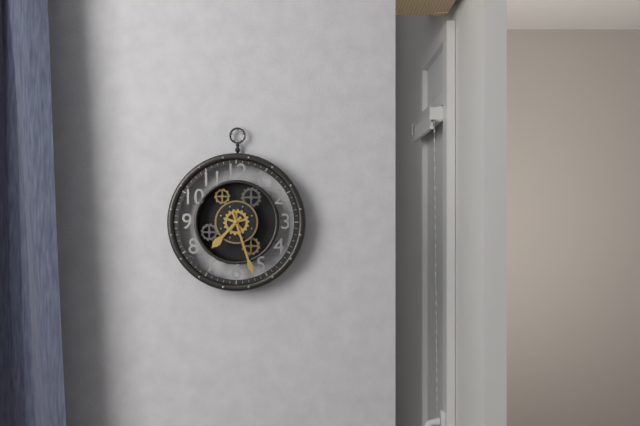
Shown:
7,27
